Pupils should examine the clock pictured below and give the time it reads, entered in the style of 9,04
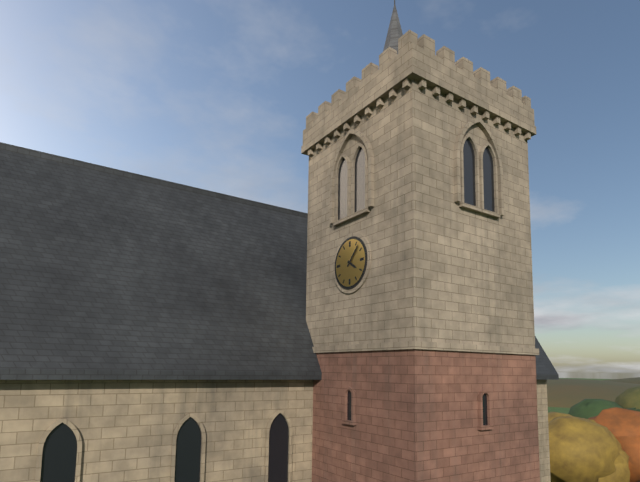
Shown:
4,07
